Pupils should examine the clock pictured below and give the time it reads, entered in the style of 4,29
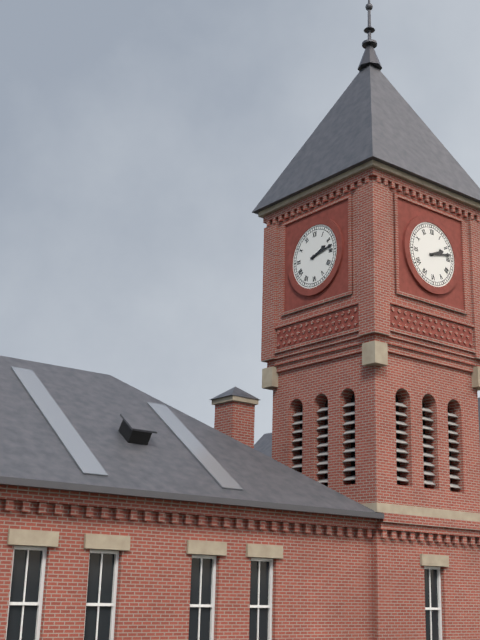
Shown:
2,13
